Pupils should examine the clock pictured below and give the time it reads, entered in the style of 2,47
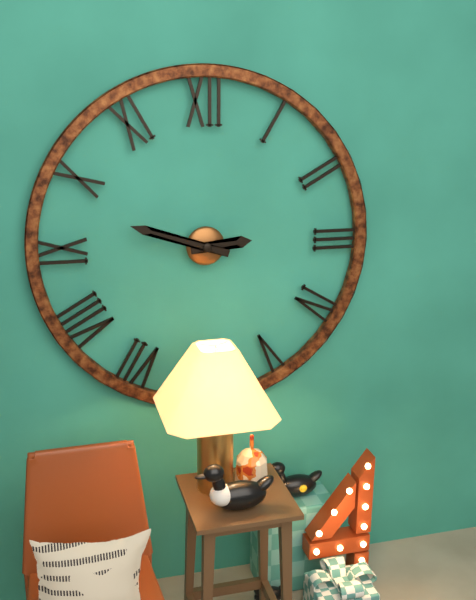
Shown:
2,48
